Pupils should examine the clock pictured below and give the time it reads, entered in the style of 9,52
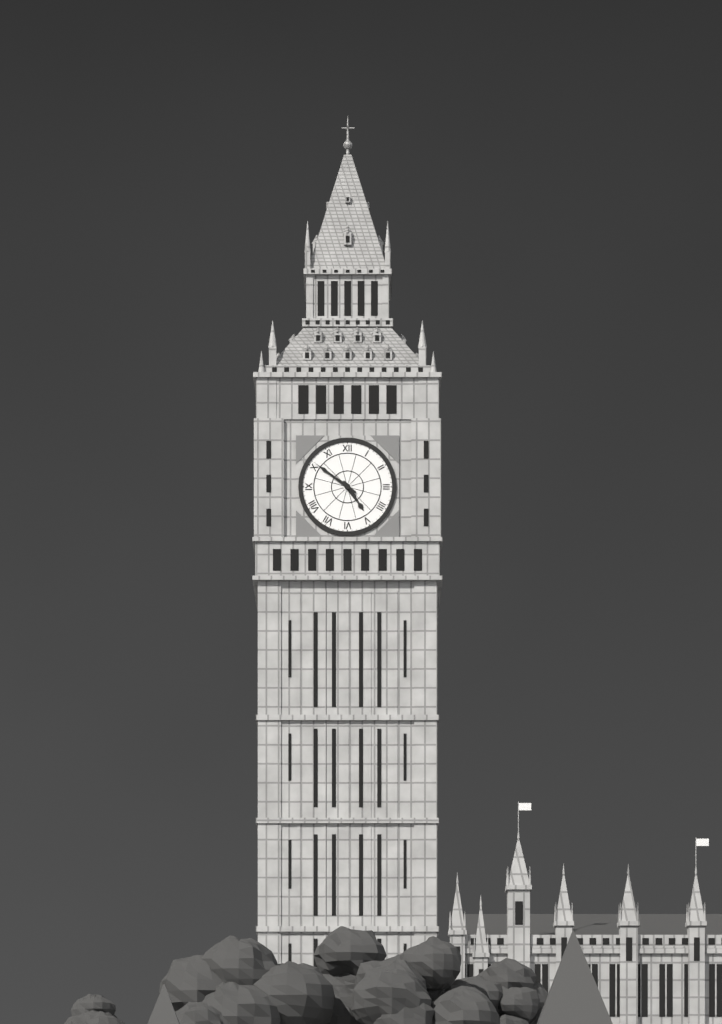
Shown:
4,51
